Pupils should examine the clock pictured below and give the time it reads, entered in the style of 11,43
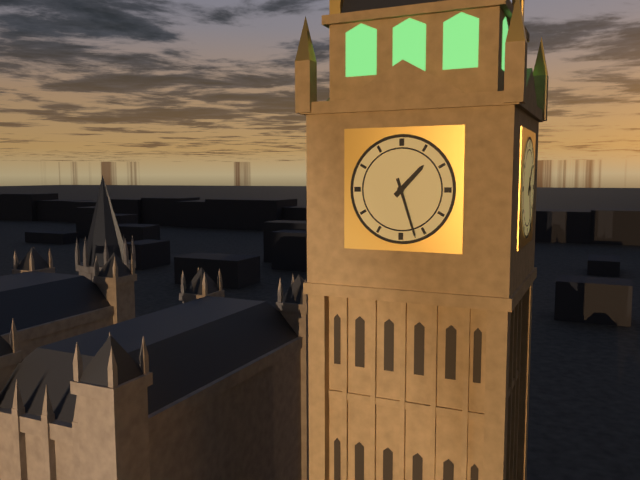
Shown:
1,27
